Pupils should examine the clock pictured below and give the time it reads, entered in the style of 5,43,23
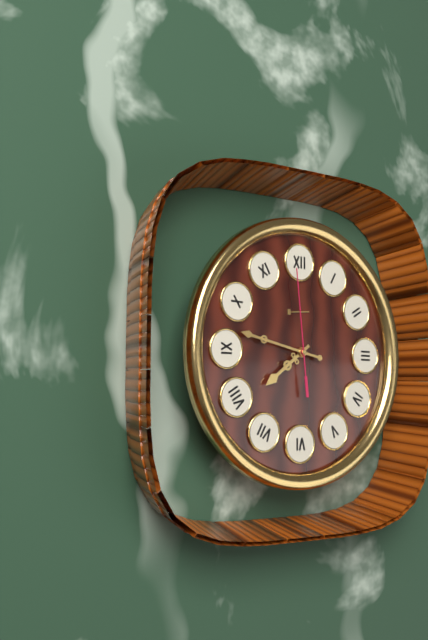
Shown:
7,47,59
